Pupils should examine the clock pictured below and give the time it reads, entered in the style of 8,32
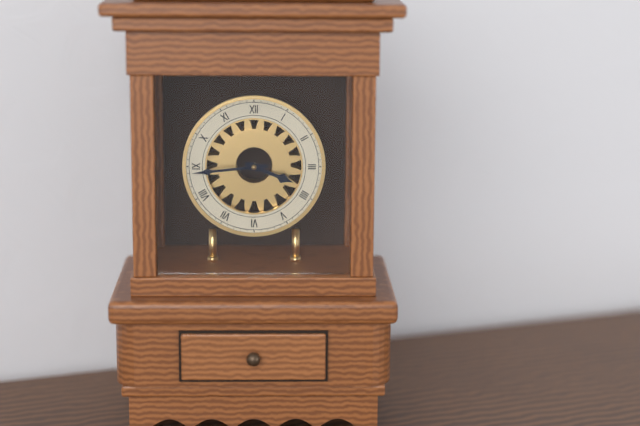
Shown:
3,44
